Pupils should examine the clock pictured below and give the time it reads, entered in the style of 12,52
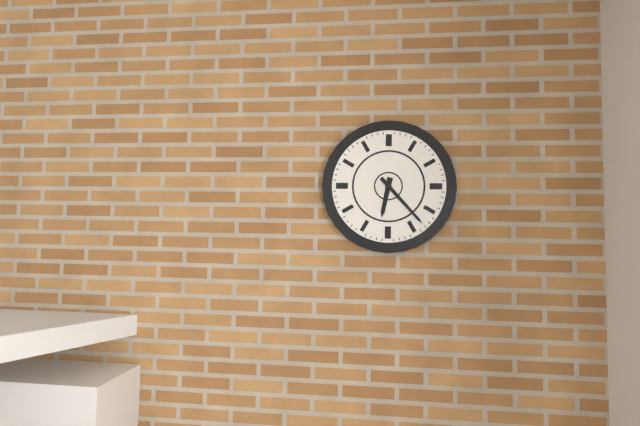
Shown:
6,23
